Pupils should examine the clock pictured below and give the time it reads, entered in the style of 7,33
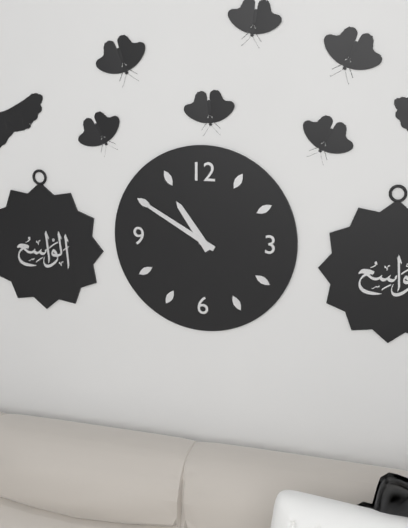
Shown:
10,50
